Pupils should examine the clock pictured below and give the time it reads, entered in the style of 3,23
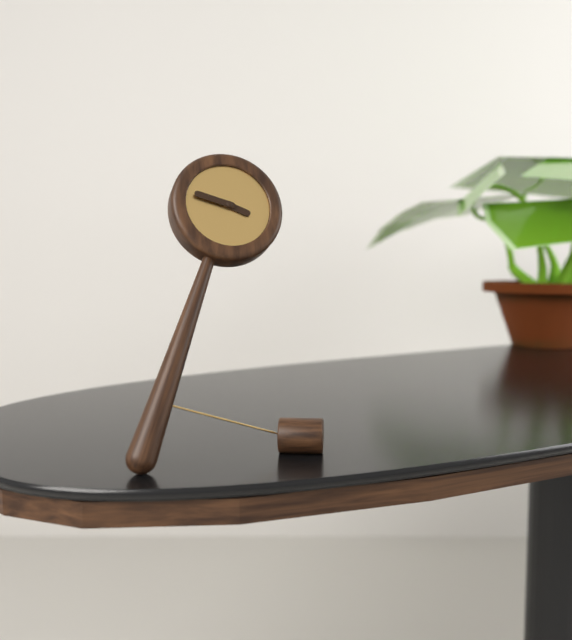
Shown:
3,48
